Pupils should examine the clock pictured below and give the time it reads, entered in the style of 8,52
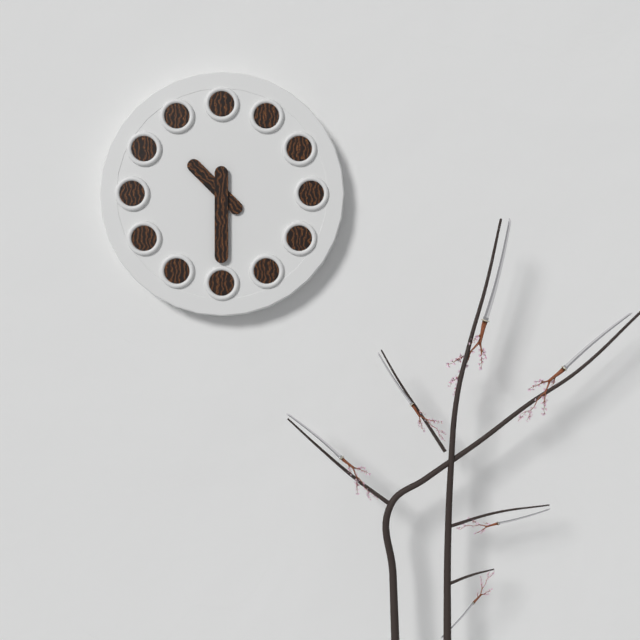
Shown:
10,30
